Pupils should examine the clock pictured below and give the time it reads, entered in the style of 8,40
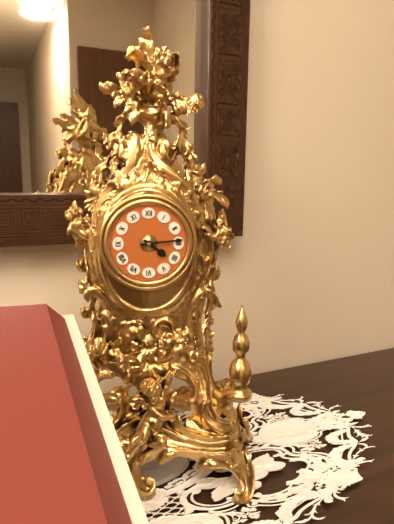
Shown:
4,14
